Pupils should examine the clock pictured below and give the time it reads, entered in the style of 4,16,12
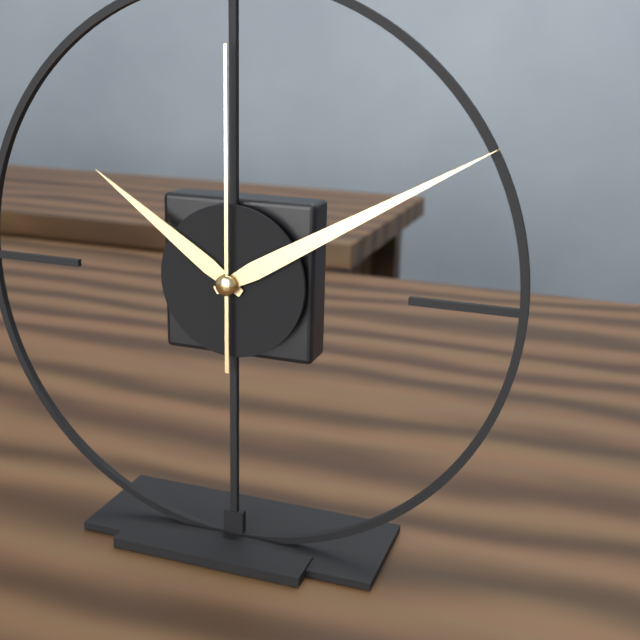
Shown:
10,10,00
